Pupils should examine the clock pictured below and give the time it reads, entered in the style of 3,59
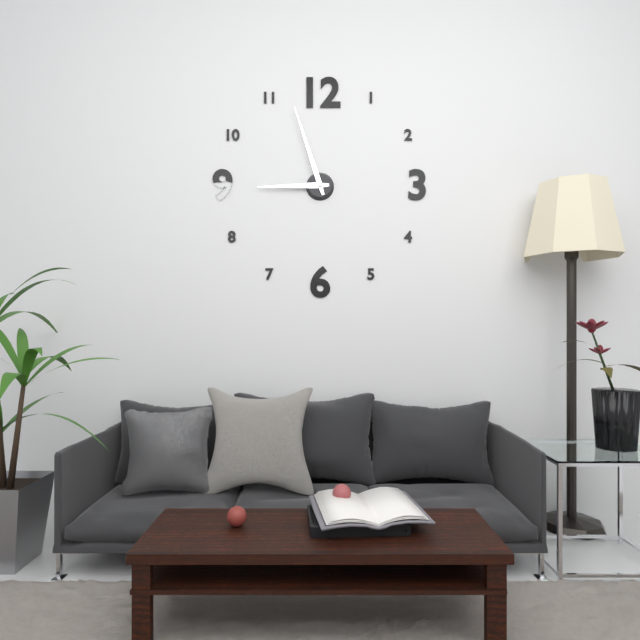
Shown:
8,57
